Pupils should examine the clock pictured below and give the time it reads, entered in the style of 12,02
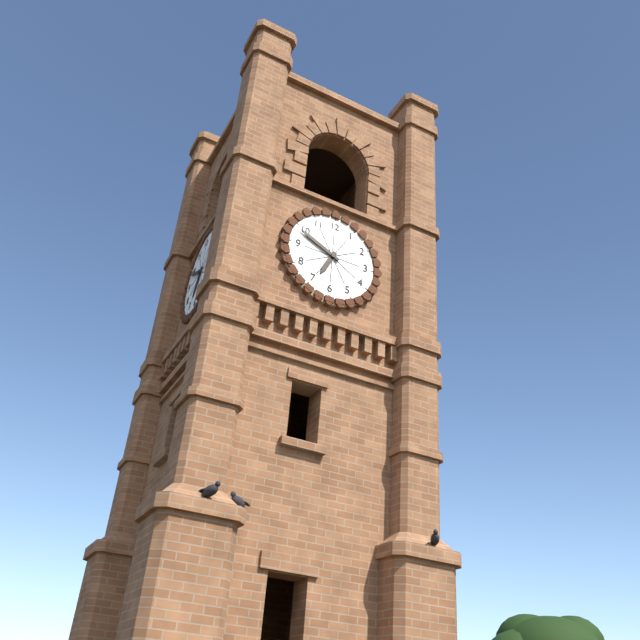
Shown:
6,49
